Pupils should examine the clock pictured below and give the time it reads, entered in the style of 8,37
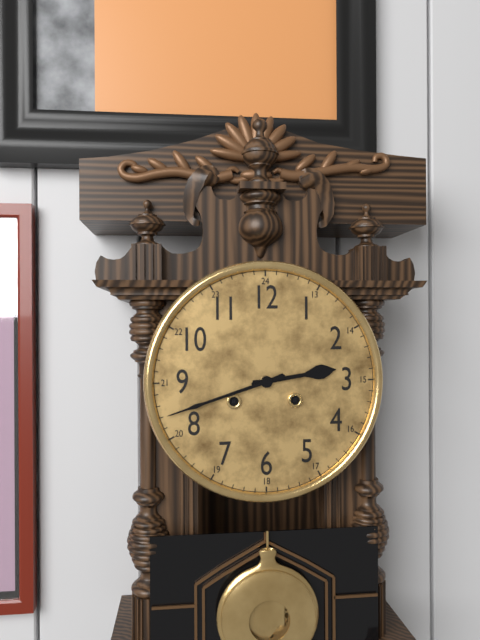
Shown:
2,42
